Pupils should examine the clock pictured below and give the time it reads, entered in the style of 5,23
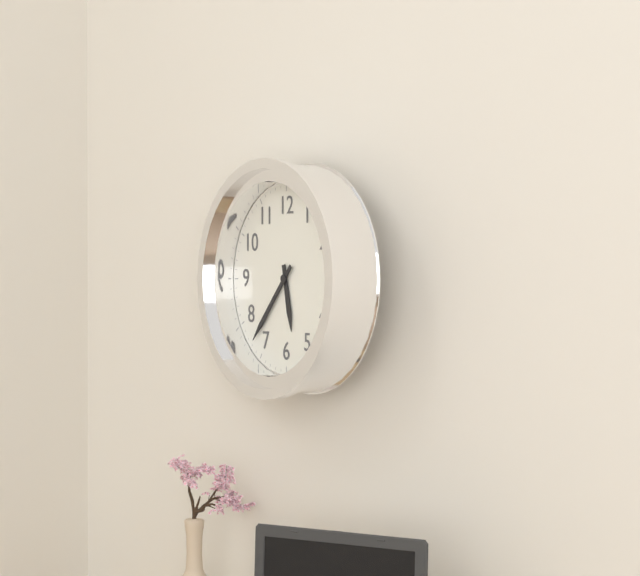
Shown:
5,37
